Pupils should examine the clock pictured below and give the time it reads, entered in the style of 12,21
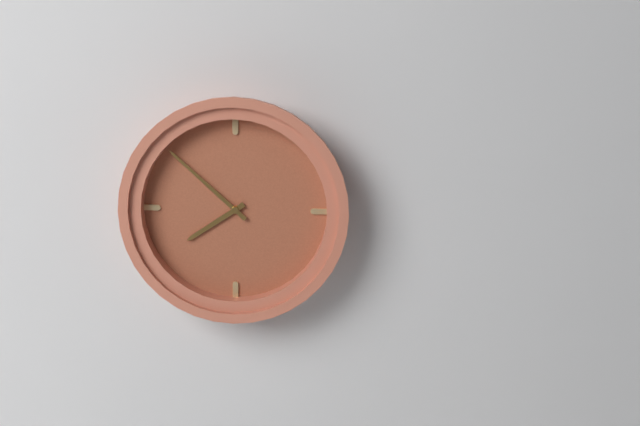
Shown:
7,52
